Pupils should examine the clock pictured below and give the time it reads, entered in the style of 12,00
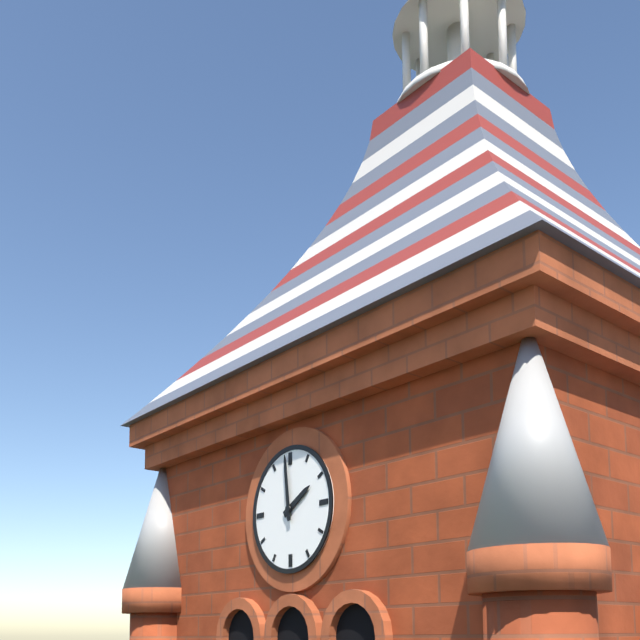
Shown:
1,59
